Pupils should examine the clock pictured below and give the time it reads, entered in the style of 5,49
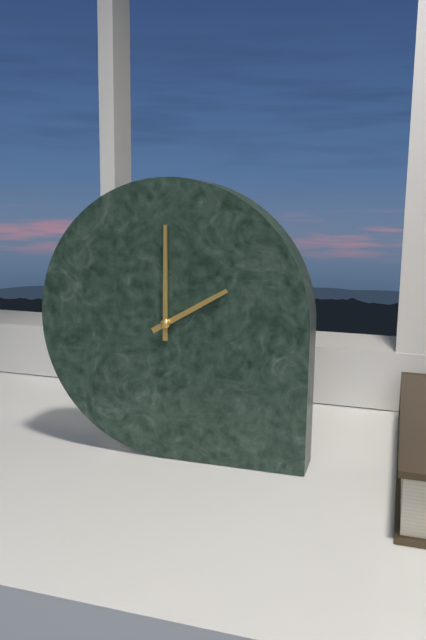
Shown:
2,00
